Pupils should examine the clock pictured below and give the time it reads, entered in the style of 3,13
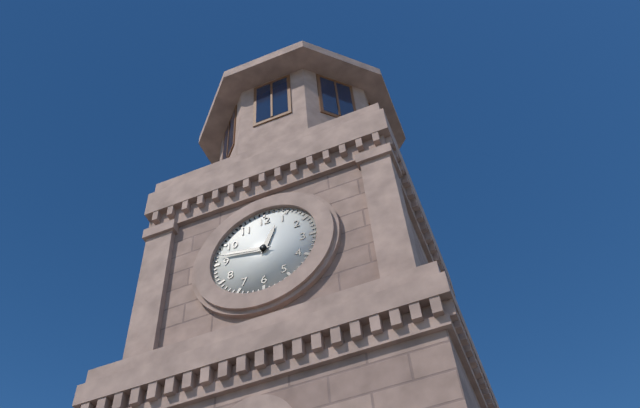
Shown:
12,47
